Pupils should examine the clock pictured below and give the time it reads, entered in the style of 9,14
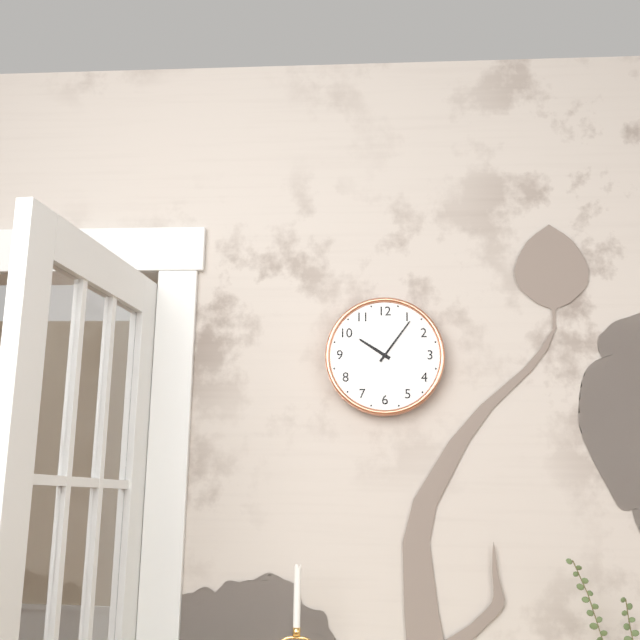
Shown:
10,06
